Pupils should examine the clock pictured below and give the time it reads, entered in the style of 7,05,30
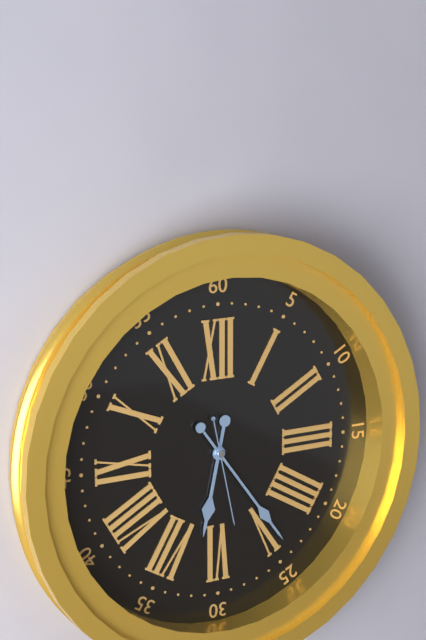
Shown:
6,24,28
